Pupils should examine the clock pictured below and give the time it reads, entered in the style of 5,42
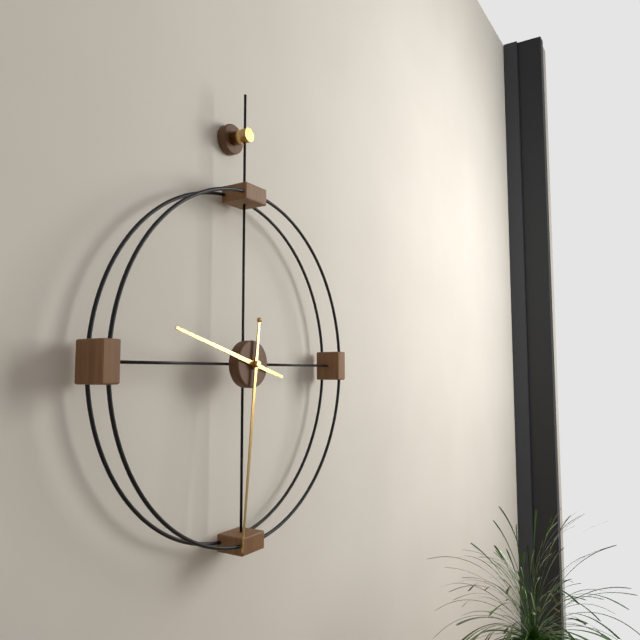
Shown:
9,31
